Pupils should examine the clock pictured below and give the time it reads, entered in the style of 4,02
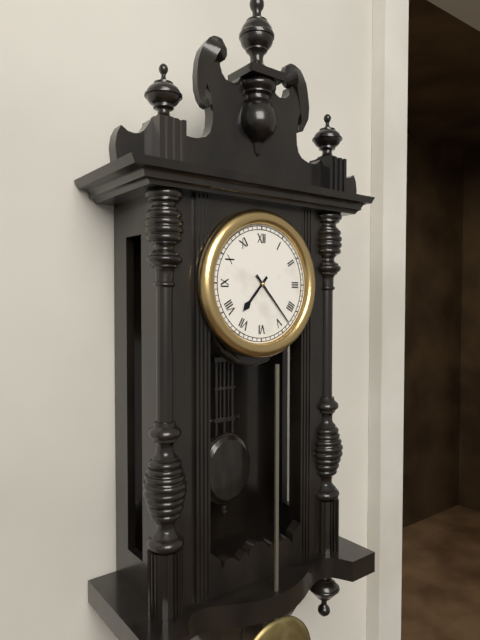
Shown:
7,23
